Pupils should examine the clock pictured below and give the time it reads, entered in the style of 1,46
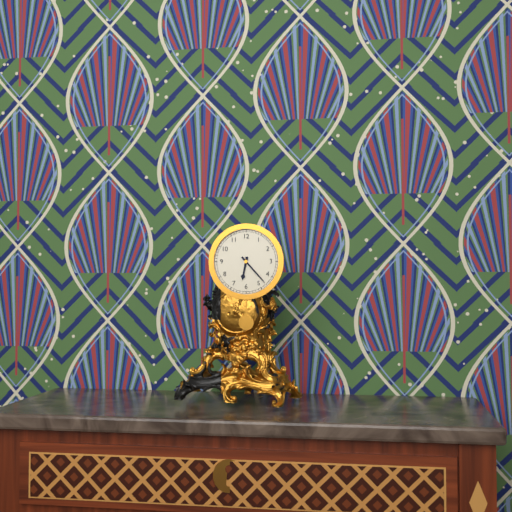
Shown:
6,23
